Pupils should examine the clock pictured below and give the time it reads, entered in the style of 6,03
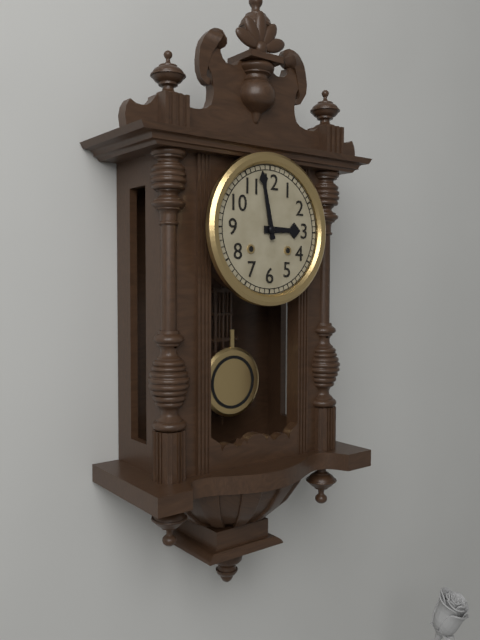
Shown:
2,58
